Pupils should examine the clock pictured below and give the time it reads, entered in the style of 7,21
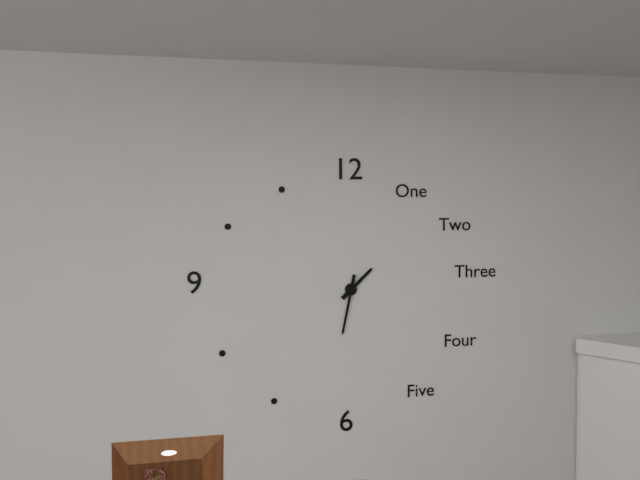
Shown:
1,32
